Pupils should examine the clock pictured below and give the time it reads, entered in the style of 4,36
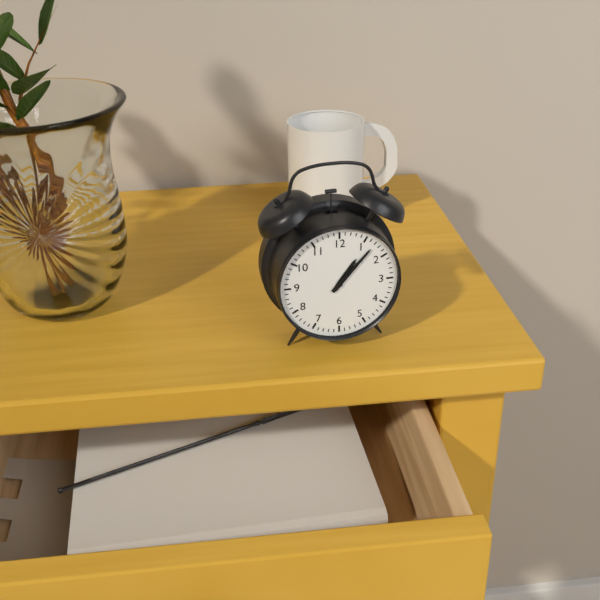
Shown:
1,07
